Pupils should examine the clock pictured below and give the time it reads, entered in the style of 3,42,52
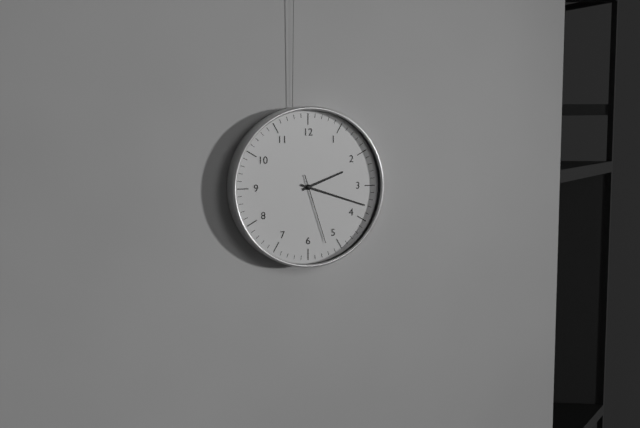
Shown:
2,18,27
